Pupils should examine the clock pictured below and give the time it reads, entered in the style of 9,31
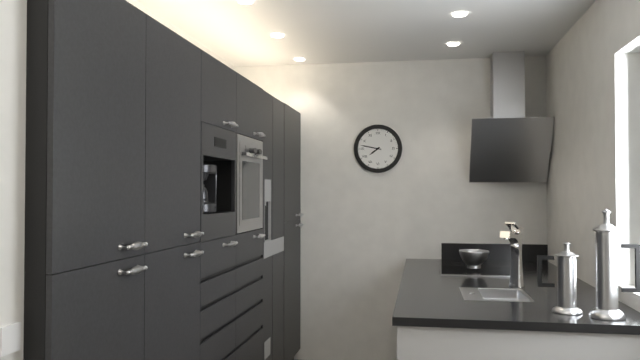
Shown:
7,47
